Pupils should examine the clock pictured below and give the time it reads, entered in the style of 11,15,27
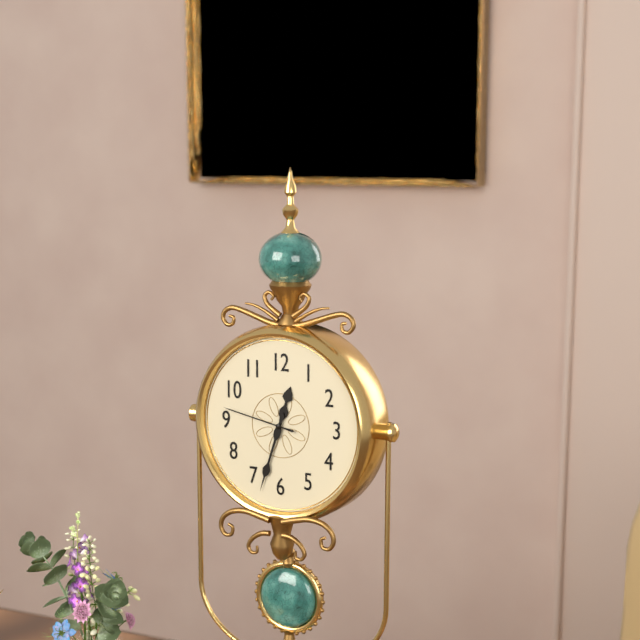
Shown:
12,33,47
